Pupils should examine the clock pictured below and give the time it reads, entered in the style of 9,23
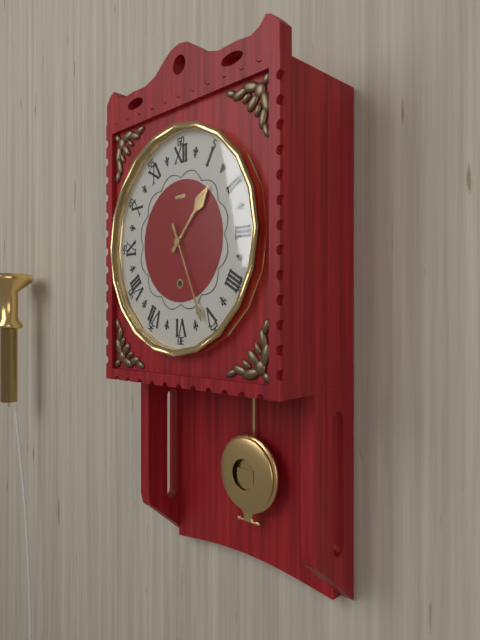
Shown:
1,26
